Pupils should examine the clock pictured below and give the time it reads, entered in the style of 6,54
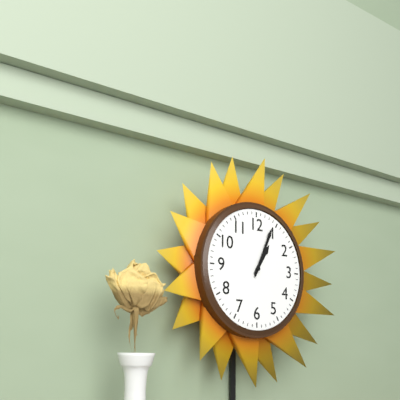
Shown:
1,04
